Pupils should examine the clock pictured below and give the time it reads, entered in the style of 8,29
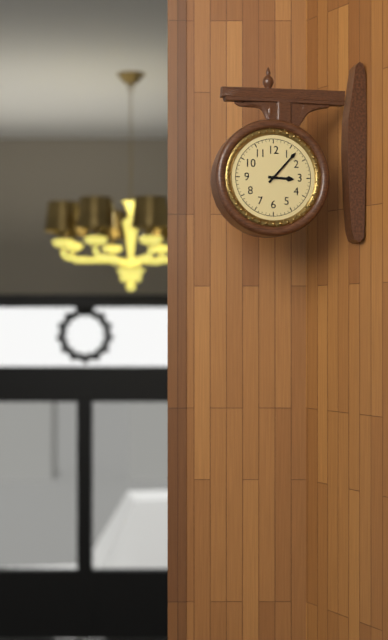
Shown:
3,07
